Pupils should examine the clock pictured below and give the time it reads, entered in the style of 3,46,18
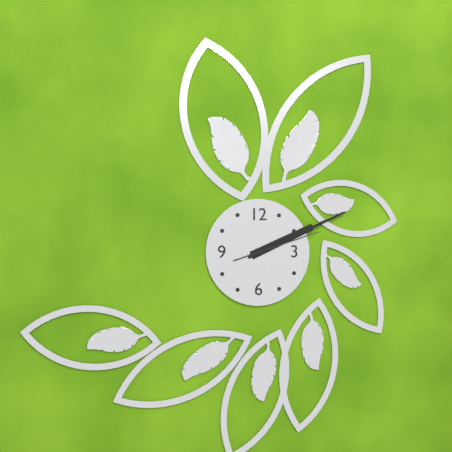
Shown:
2,11,12
